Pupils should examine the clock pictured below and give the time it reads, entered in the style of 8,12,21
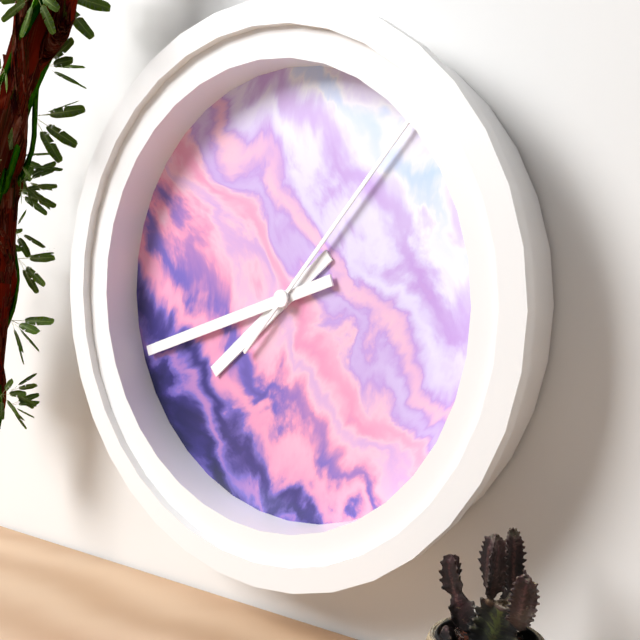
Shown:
7,42,07
